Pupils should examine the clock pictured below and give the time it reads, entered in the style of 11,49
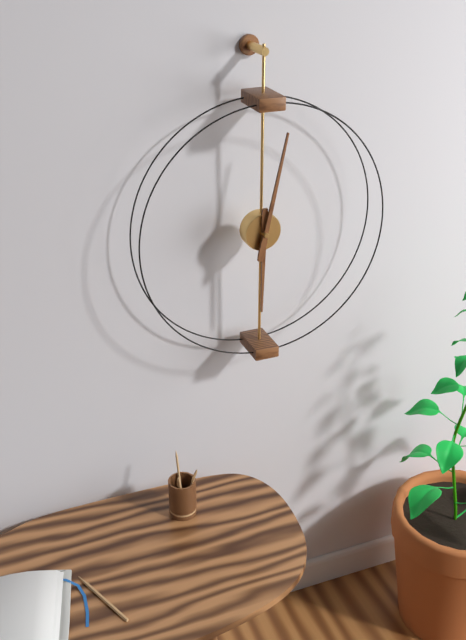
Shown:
6,02
